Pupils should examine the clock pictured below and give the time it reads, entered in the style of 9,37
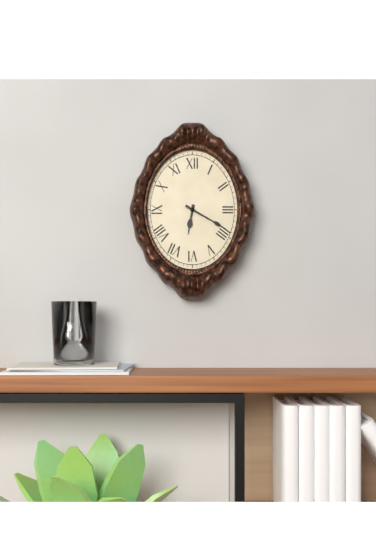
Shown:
6,20
